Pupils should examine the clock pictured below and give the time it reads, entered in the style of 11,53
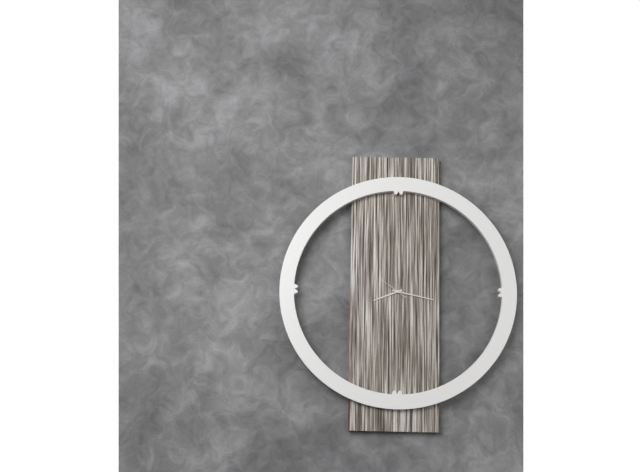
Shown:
8,17
